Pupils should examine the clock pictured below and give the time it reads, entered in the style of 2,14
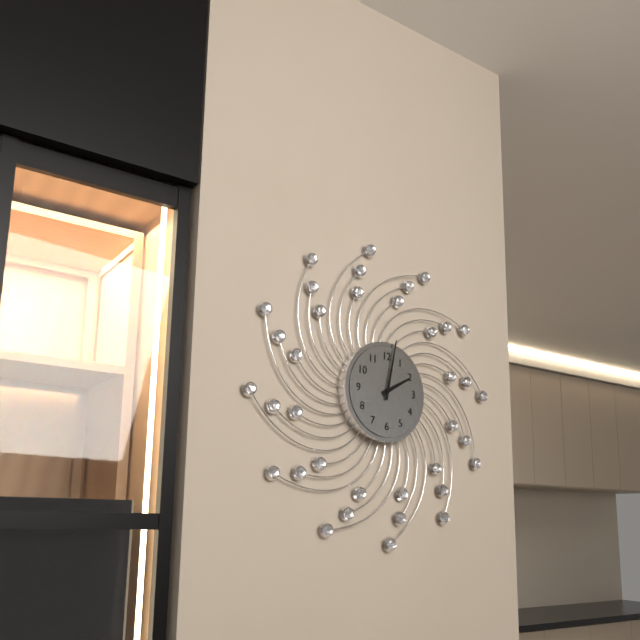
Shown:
2,02
